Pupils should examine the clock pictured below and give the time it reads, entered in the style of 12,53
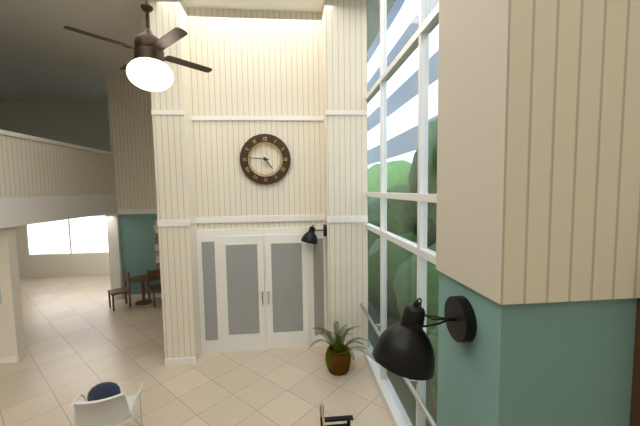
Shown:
4,46
